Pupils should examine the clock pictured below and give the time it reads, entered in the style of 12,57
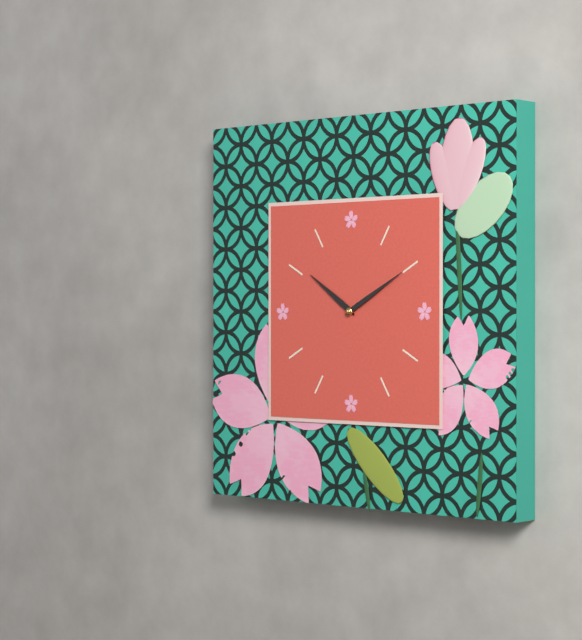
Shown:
10,10
